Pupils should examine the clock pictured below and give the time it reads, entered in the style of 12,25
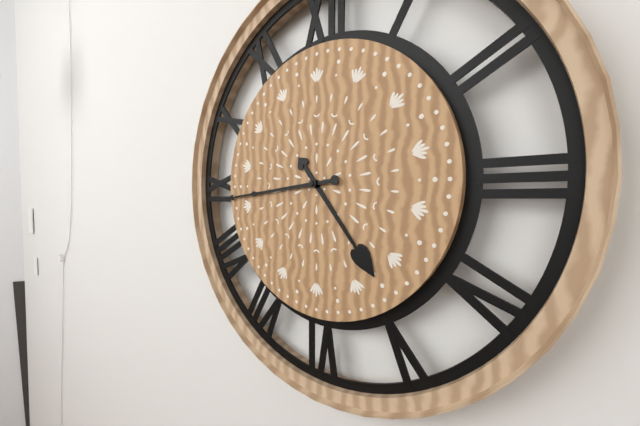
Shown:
4,44
